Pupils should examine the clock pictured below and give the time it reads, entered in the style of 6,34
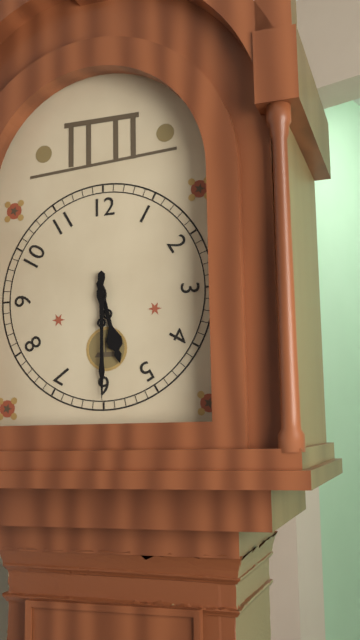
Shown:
5,30
